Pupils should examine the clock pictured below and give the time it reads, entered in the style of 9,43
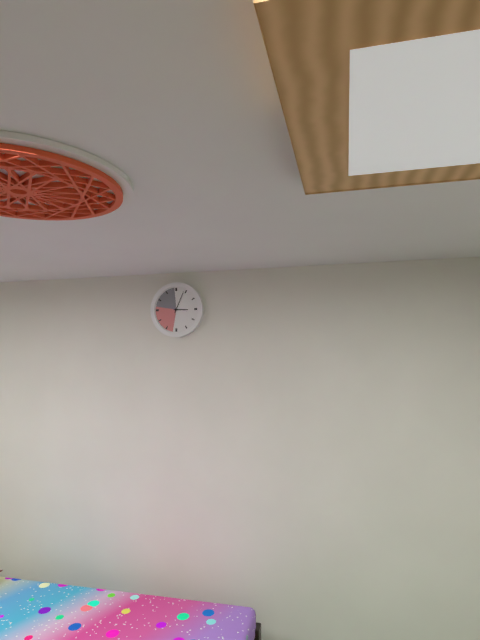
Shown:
3,04
